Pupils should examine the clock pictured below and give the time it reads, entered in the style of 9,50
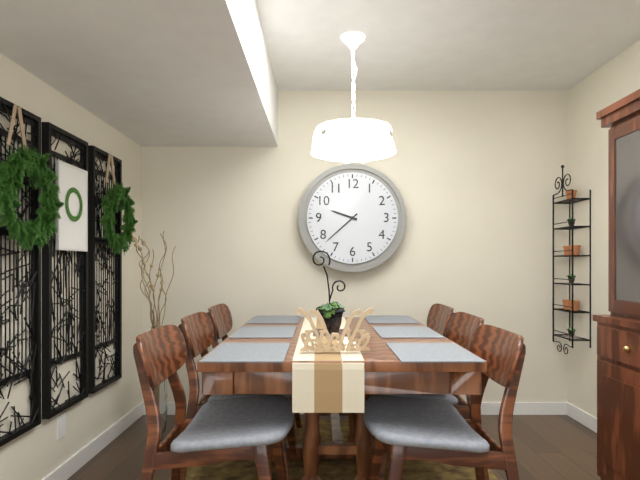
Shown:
9,38
